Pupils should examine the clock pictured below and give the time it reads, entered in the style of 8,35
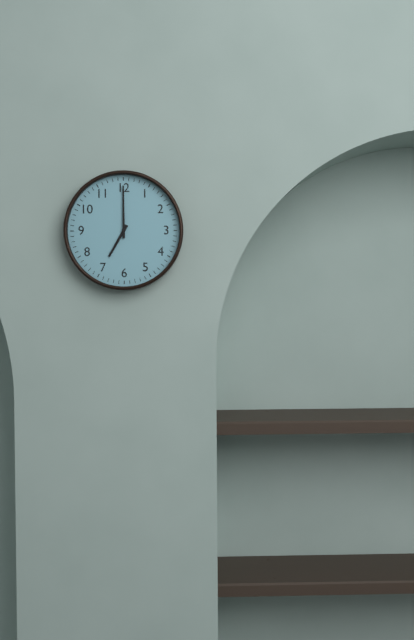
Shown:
7,00
